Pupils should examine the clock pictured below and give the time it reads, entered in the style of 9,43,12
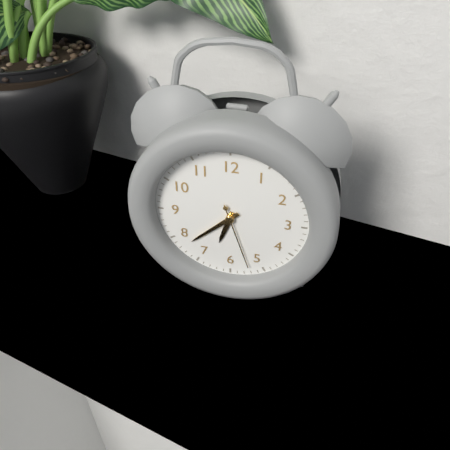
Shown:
6,38,27
